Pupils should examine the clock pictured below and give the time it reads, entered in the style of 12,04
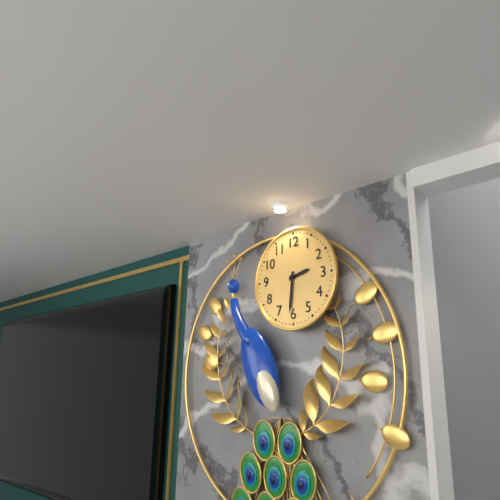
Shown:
2,31
